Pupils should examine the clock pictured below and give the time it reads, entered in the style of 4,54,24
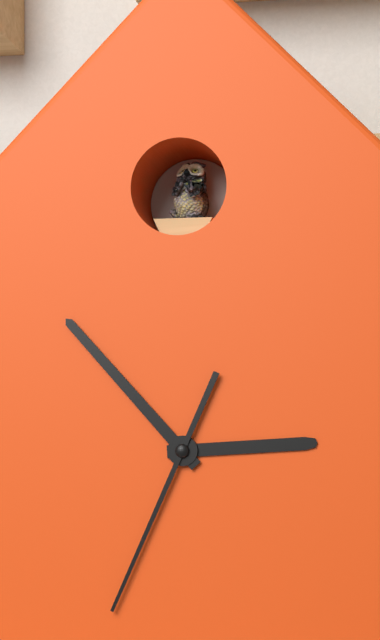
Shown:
2,53,34
